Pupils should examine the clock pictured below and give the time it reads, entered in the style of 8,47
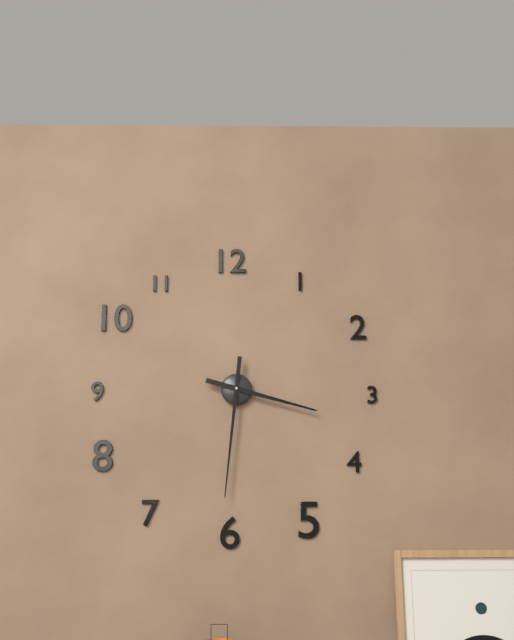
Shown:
3,31
